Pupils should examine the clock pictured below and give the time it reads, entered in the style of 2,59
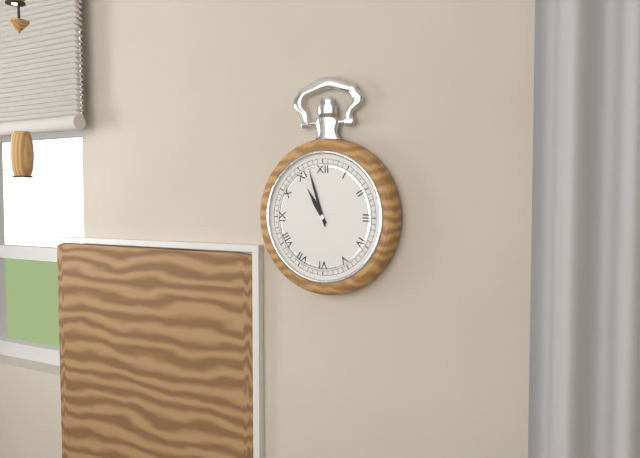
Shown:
10,57
